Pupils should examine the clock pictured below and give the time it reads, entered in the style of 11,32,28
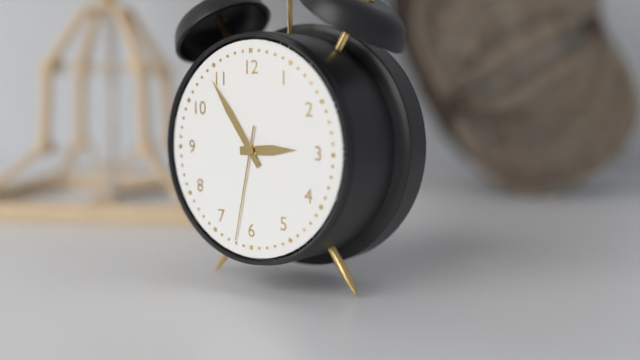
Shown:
2,54,32
